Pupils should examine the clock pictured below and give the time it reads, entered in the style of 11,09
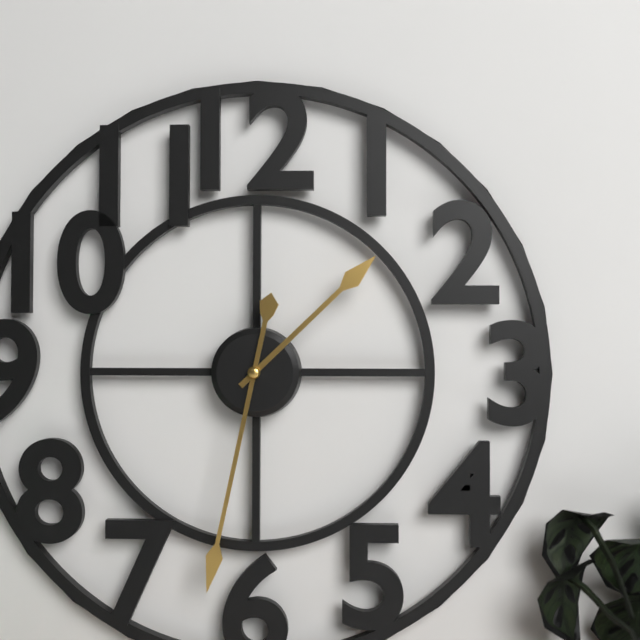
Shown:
1,32
